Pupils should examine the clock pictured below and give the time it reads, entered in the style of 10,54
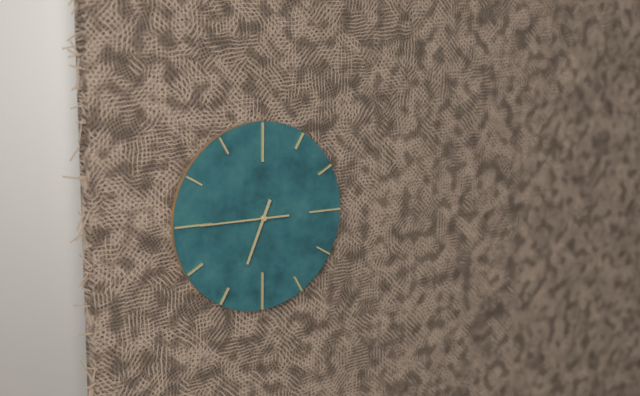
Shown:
6,45
